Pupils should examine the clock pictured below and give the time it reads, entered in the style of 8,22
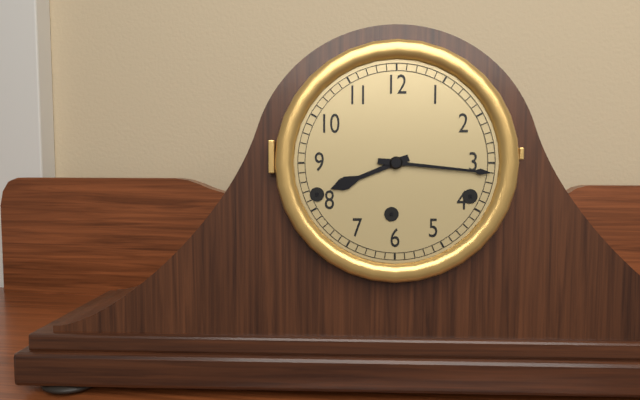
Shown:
8,16
